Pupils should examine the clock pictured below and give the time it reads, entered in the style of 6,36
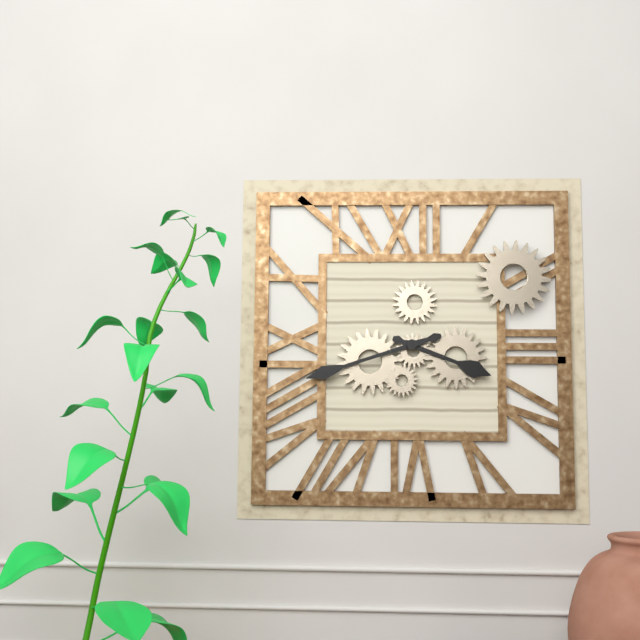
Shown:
3,42
